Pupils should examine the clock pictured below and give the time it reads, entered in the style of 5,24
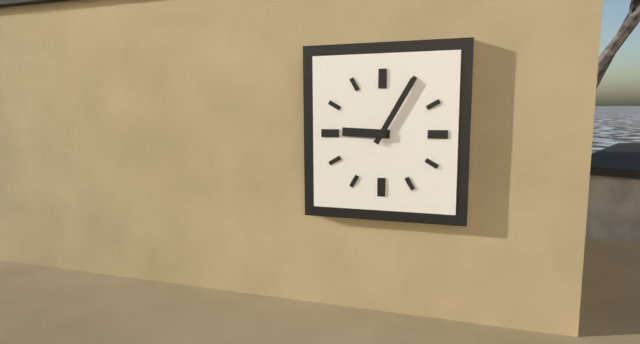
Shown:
9,05
